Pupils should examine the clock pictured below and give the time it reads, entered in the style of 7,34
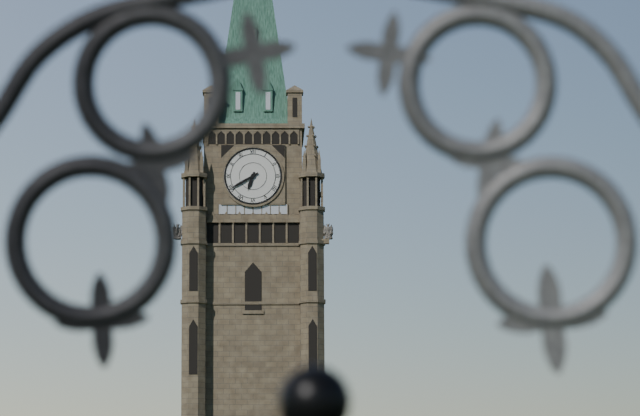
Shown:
6,40
